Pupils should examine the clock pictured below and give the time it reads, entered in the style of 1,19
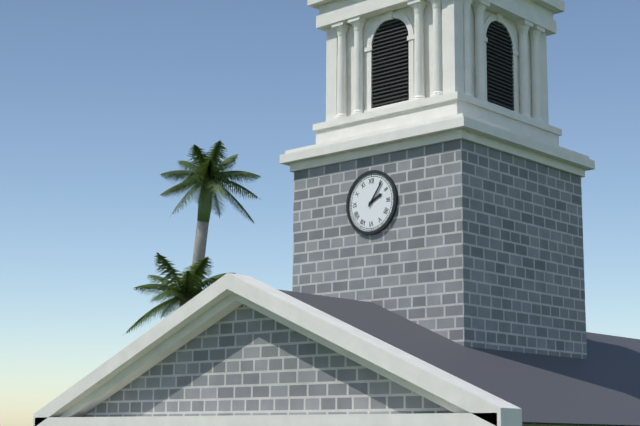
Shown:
2,06
